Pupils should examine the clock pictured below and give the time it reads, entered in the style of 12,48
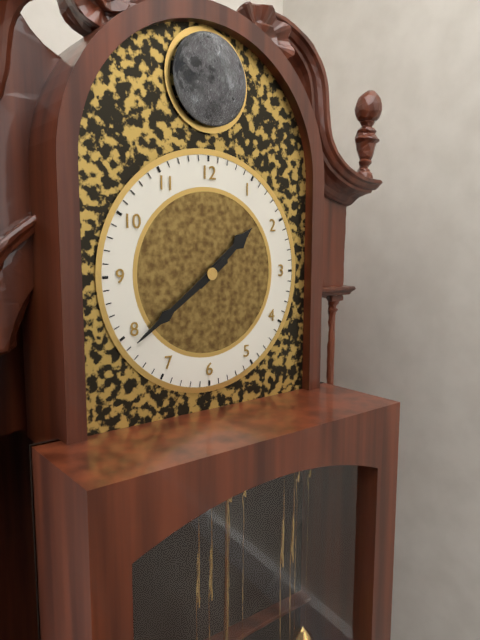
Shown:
1,39
